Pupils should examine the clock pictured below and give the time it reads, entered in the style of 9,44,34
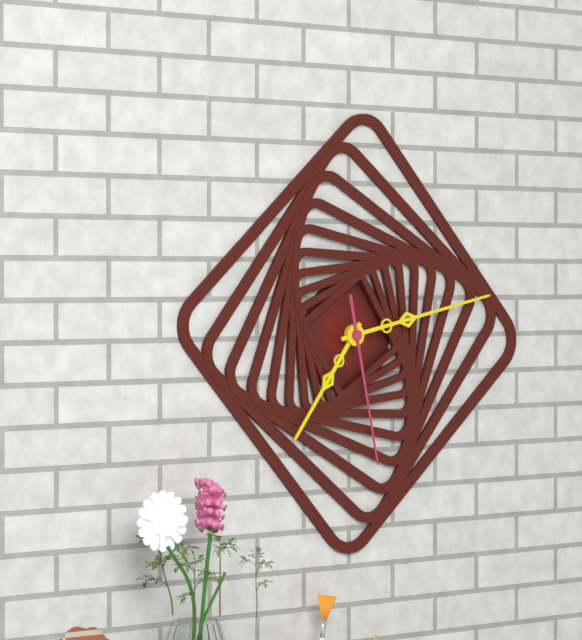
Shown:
7,13,28
